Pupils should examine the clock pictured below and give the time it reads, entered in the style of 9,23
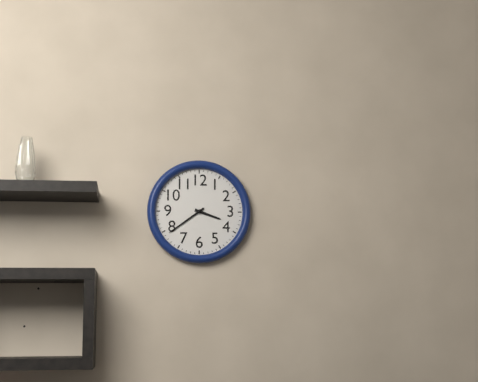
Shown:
3,39
